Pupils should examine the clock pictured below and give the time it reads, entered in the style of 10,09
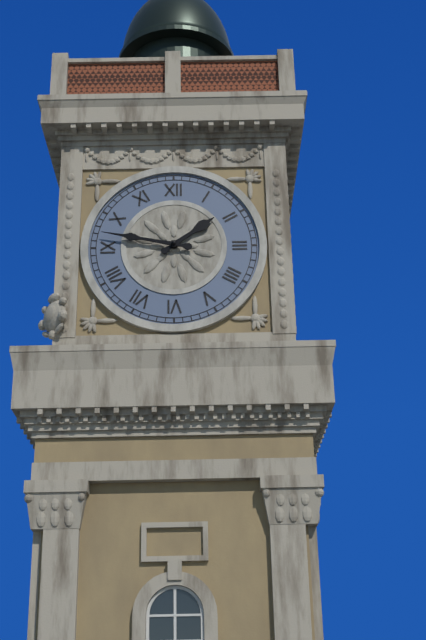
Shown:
1,47
